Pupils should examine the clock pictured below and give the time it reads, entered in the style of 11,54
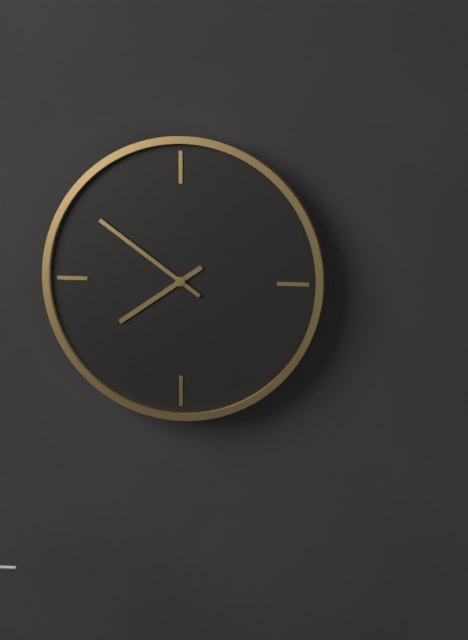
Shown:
7,51
